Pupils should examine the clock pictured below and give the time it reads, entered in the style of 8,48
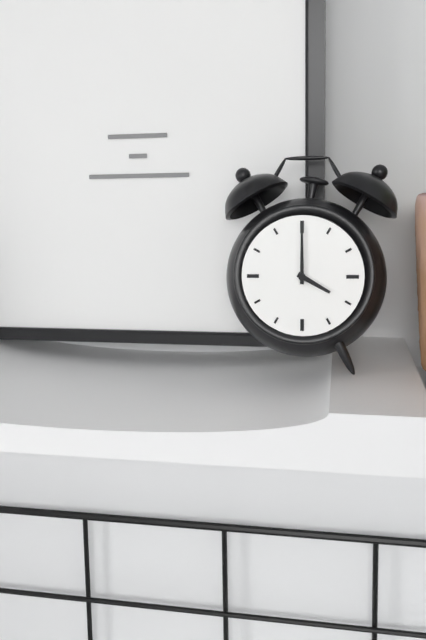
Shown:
4,00
